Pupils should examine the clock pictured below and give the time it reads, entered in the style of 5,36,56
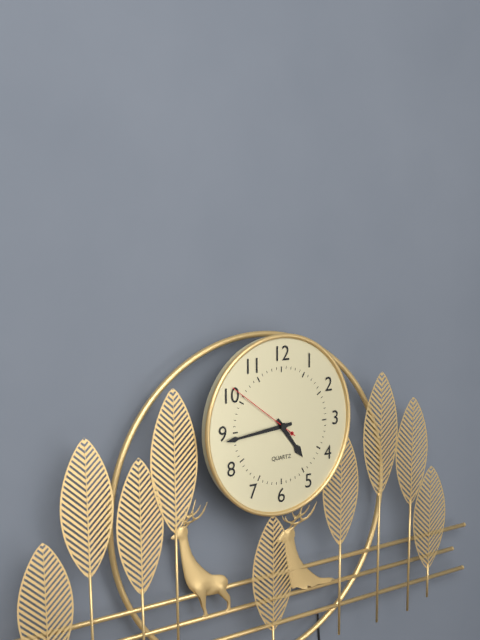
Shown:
4,44,51
